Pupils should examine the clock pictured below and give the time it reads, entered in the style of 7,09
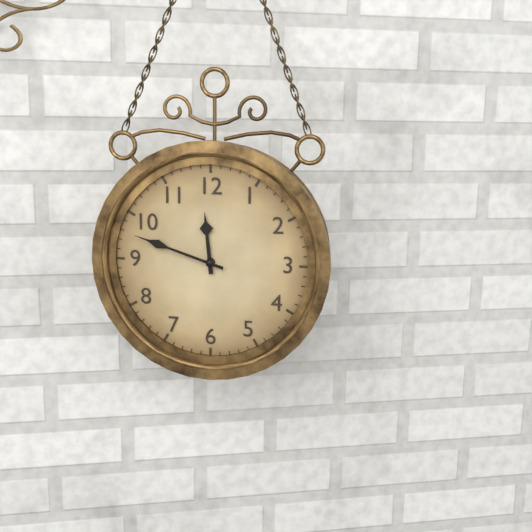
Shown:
11,48
